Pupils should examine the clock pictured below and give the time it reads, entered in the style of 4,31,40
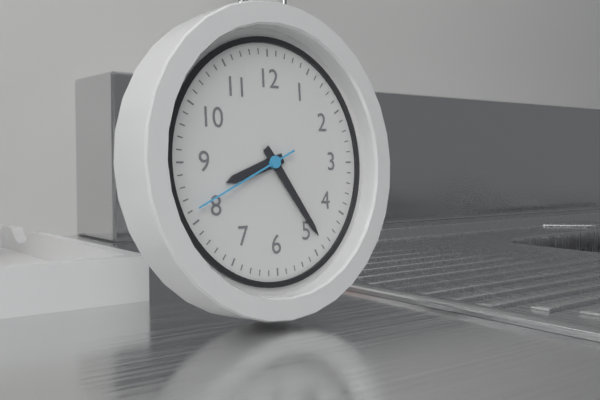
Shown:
8,24,41
